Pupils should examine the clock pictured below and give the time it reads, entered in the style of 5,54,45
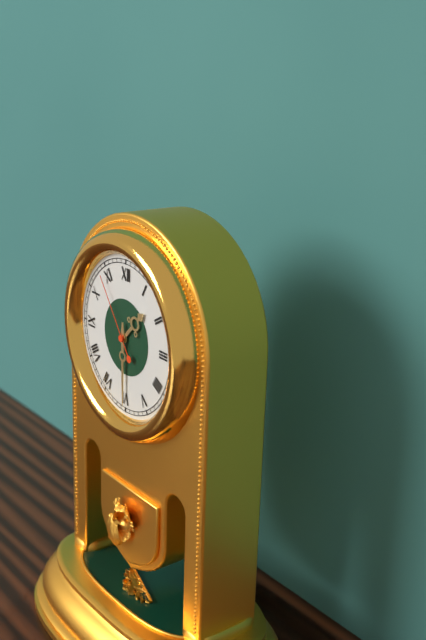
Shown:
1,30,54
